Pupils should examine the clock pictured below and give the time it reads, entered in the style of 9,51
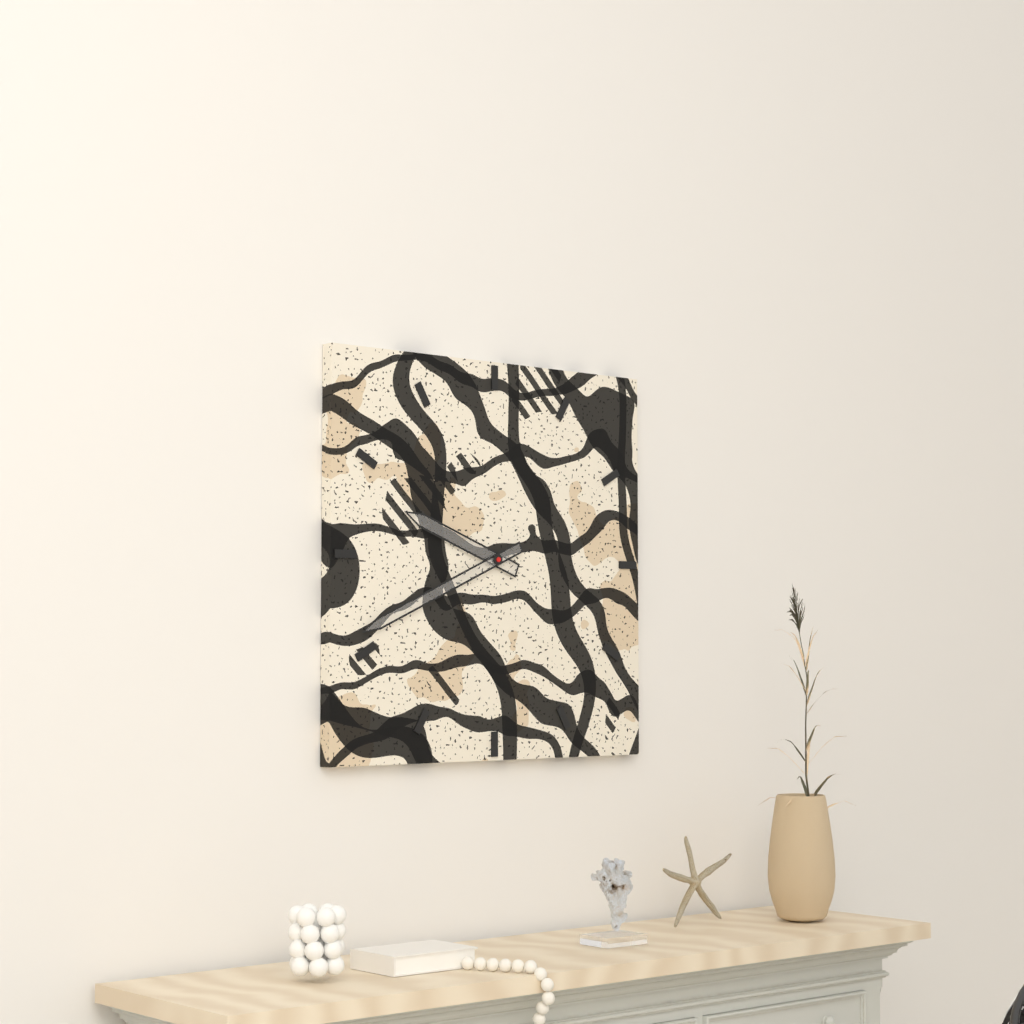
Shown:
9,41
